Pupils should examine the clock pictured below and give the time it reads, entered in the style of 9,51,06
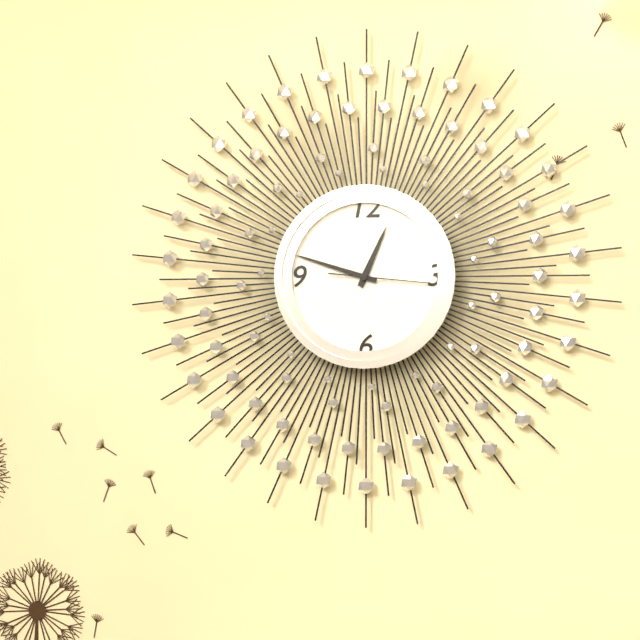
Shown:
12,48,16
